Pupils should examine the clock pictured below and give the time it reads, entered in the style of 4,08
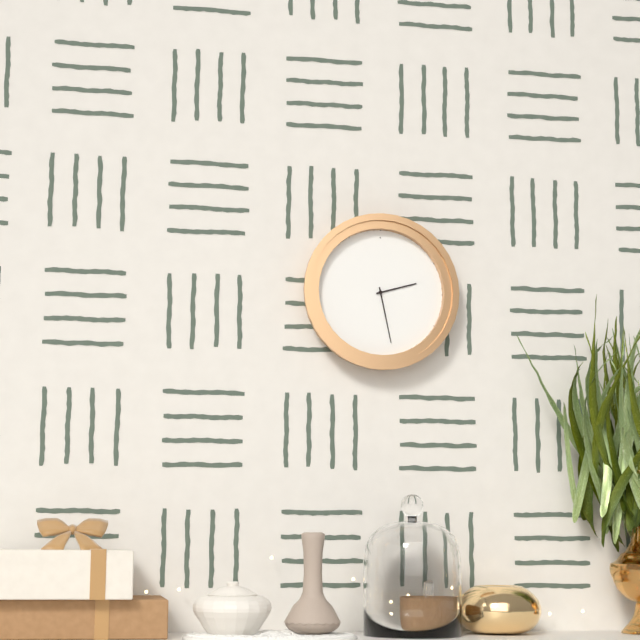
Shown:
2,28
